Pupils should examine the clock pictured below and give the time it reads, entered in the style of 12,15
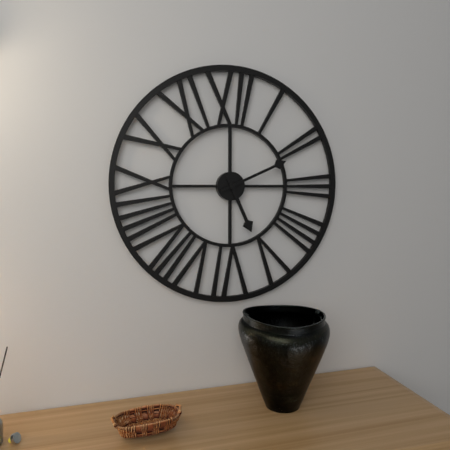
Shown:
5,11
